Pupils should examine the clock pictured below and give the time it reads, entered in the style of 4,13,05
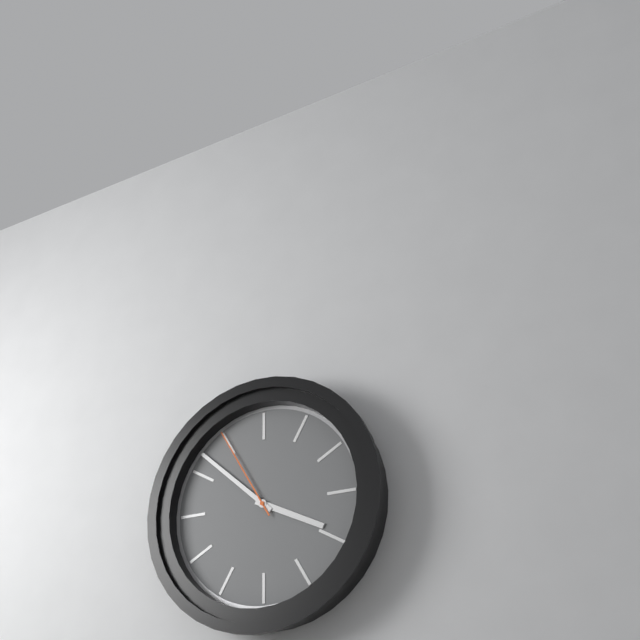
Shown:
3,52,55
